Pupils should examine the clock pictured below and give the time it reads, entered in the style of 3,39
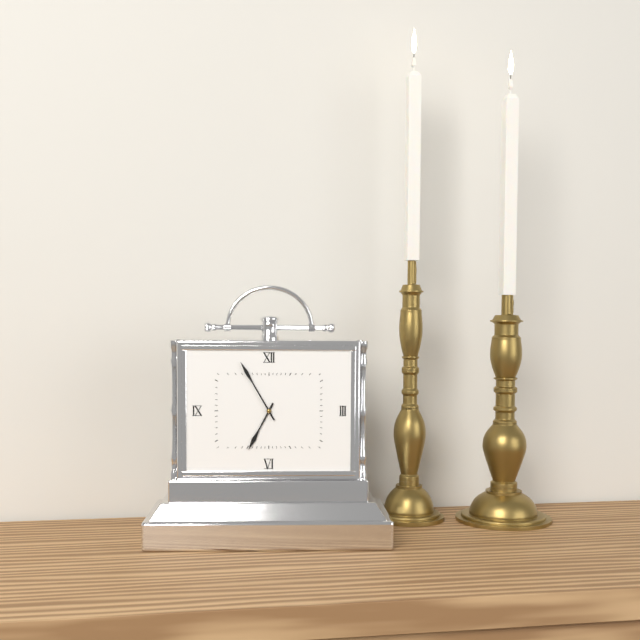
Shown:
6,55
